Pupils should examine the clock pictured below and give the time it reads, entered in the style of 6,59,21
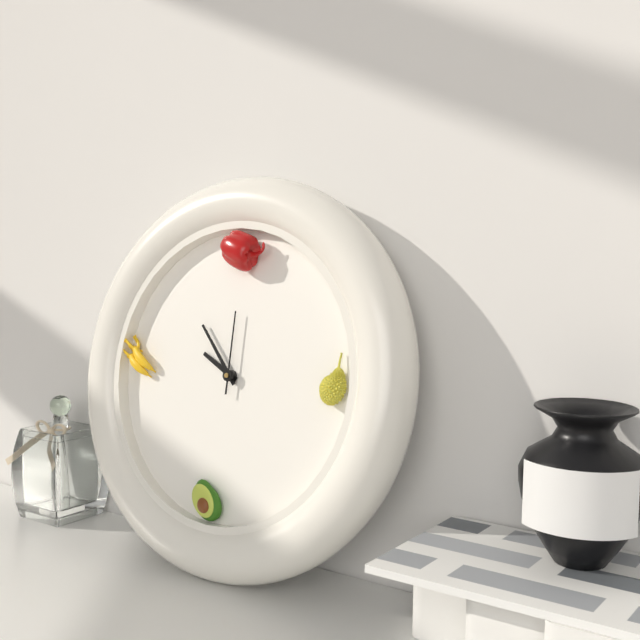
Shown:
9,53,00
